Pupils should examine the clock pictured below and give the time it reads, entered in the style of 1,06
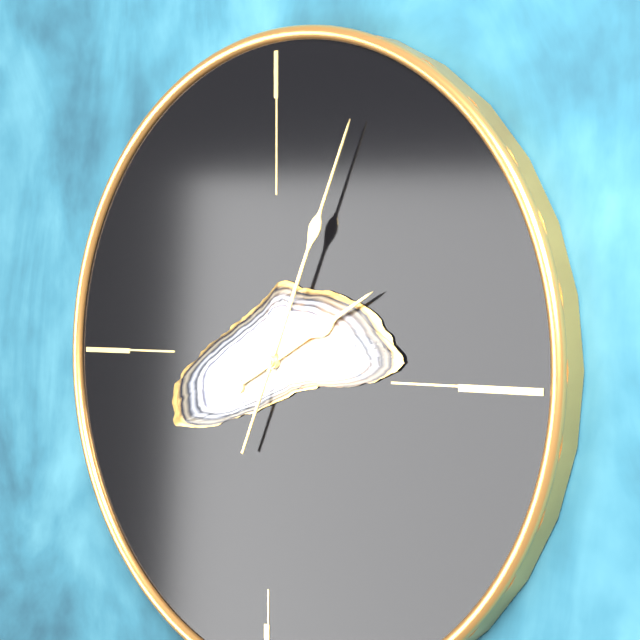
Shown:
2,04
